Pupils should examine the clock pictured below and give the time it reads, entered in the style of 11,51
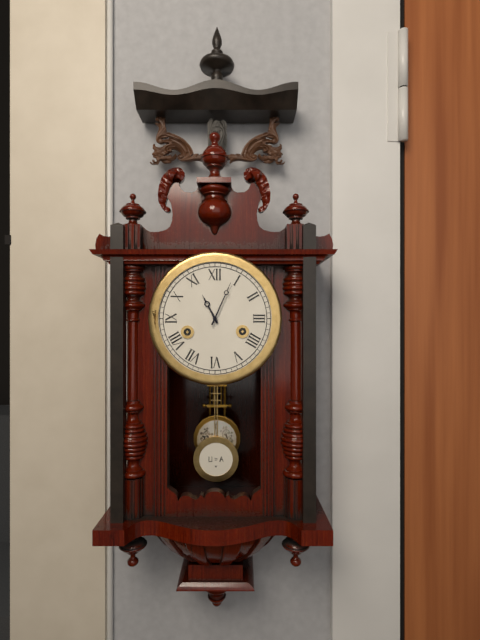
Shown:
11,04
